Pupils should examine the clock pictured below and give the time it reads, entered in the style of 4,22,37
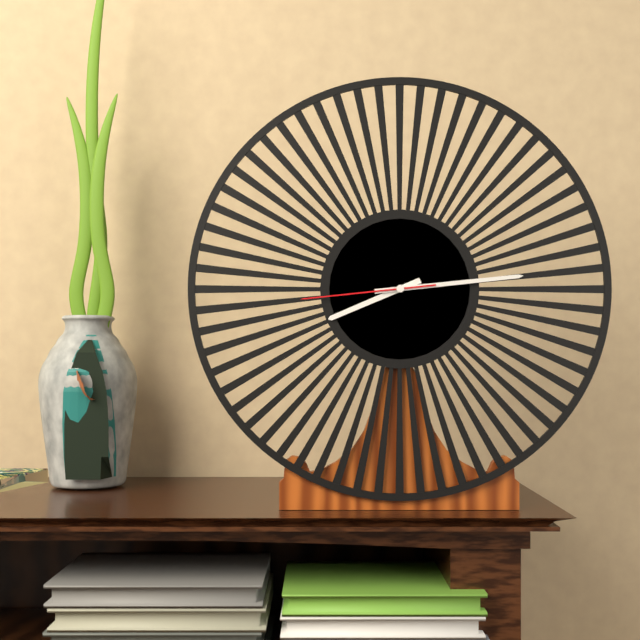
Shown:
8,14,44
